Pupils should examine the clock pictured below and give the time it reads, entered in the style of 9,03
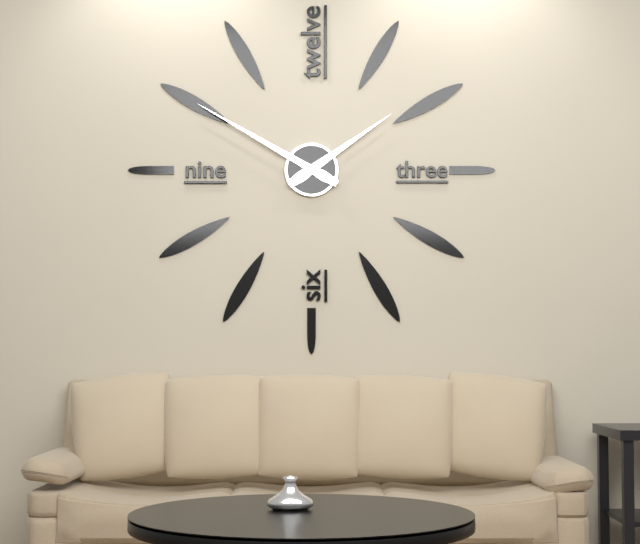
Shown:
1,50
